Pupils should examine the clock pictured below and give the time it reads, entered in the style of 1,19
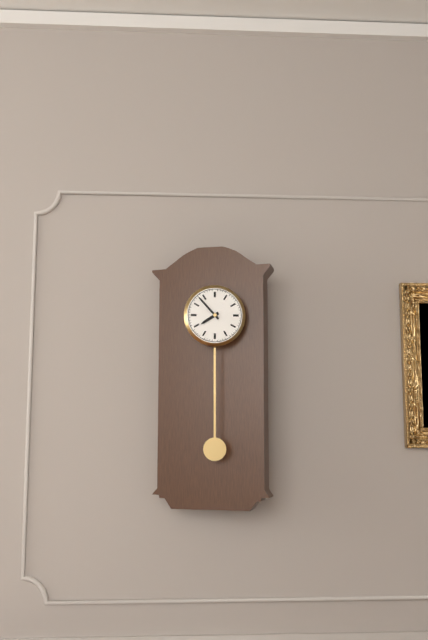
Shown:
7,53
